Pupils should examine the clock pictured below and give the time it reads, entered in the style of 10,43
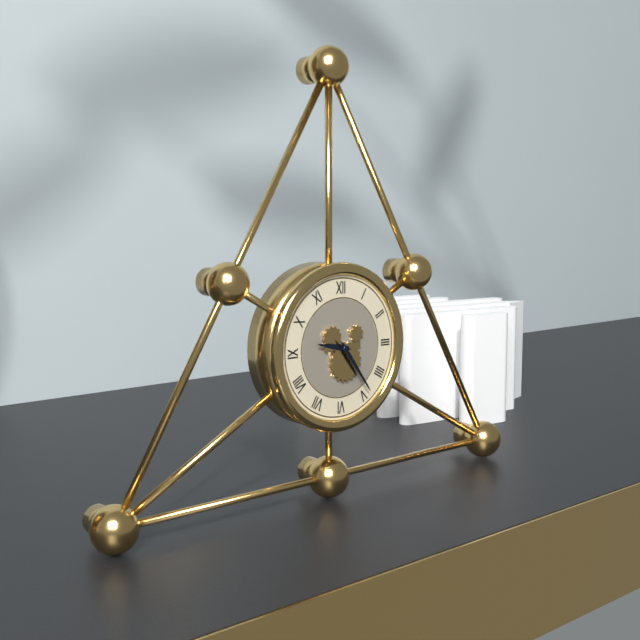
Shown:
9,24
